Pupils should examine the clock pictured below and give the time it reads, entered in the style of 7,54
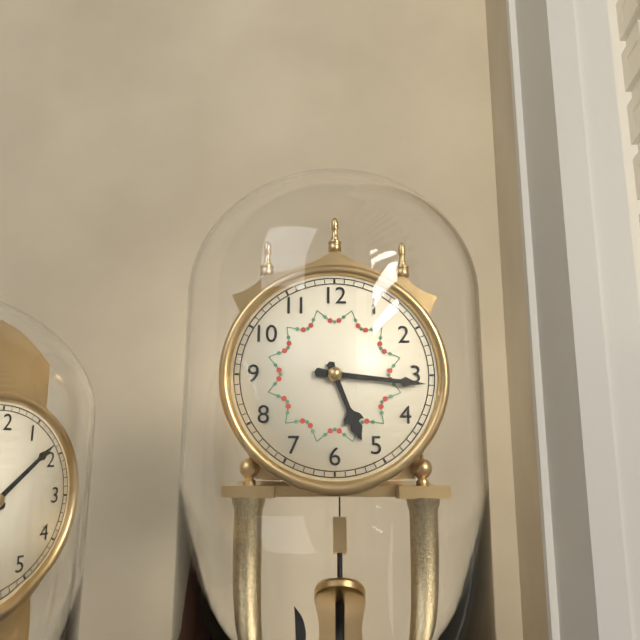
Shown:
5,16
